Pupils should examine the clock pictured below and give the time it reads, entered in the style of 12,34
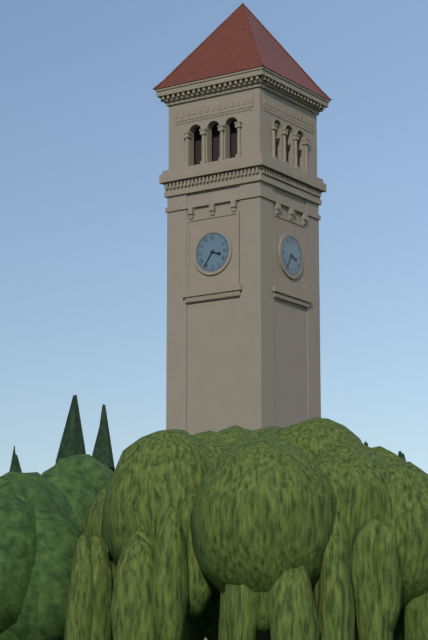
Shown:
3,36
